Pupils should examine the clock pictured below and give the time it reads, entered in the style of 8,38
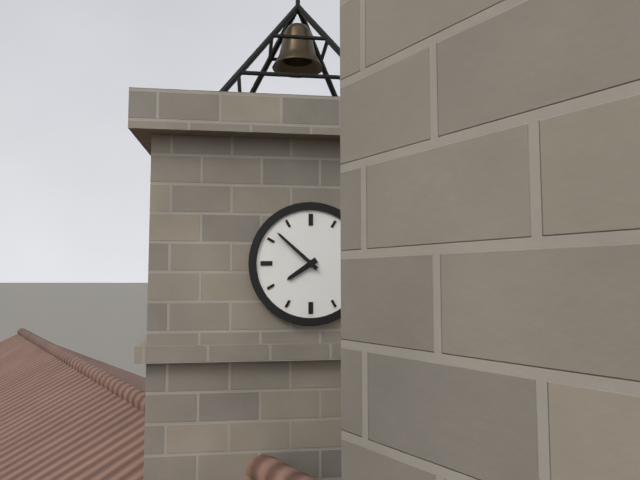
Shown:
7,52
